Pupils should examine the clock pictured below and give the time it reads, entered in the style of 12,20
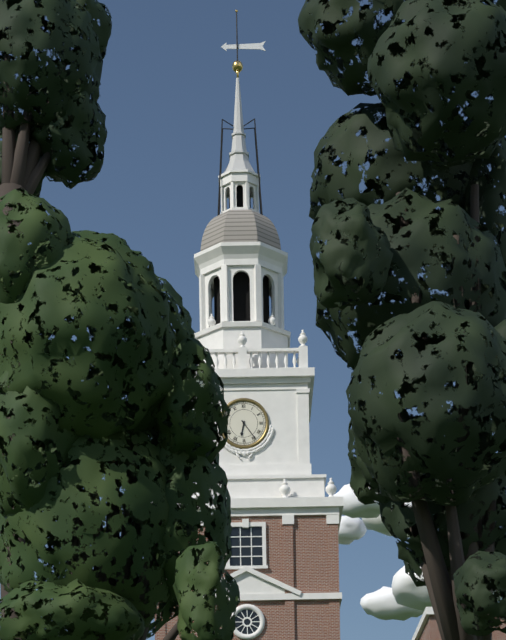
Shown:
6,24
